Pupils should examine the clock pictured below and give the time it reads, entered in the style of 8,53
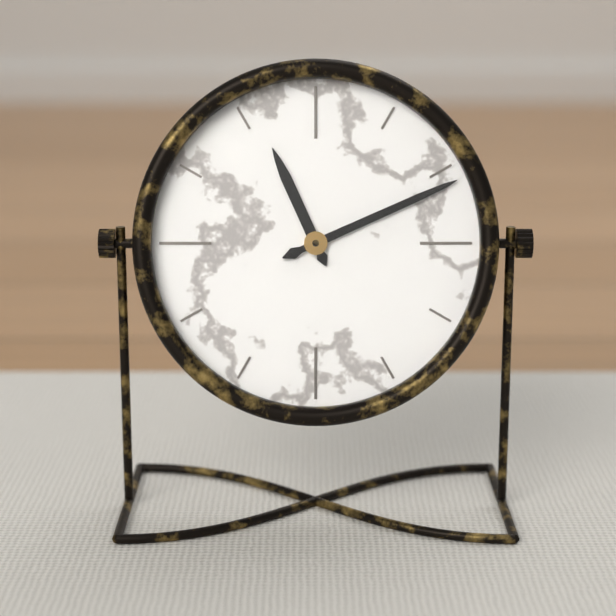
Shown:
11,11
